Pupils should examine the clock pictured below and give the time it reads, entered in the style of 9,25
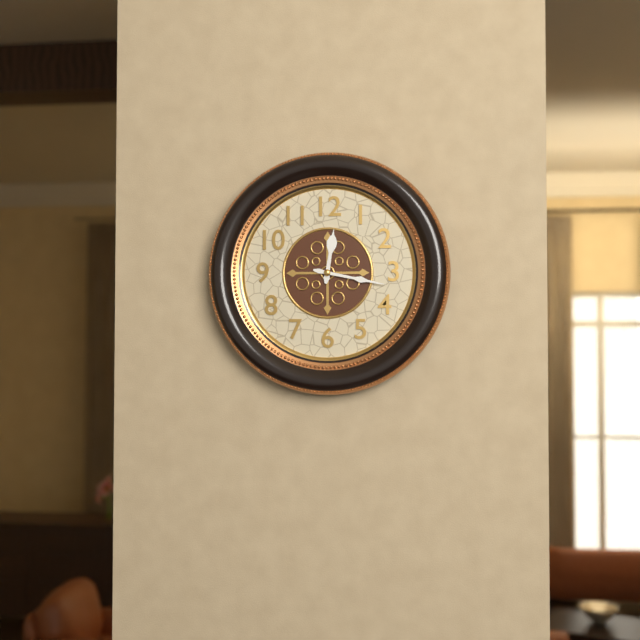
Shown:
12,17
